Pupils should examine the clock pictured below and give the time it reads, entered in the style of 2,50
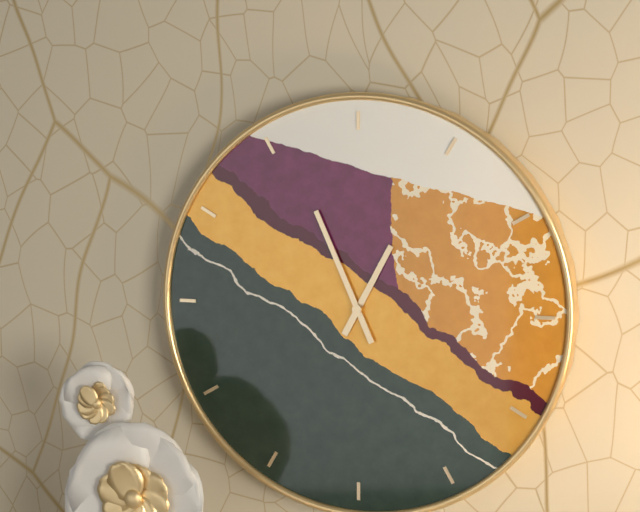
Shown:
12,56
